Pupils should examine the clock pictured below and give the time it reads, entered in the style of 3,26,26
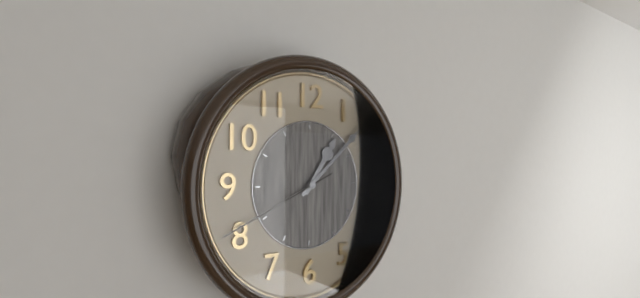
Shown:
1,08,41
